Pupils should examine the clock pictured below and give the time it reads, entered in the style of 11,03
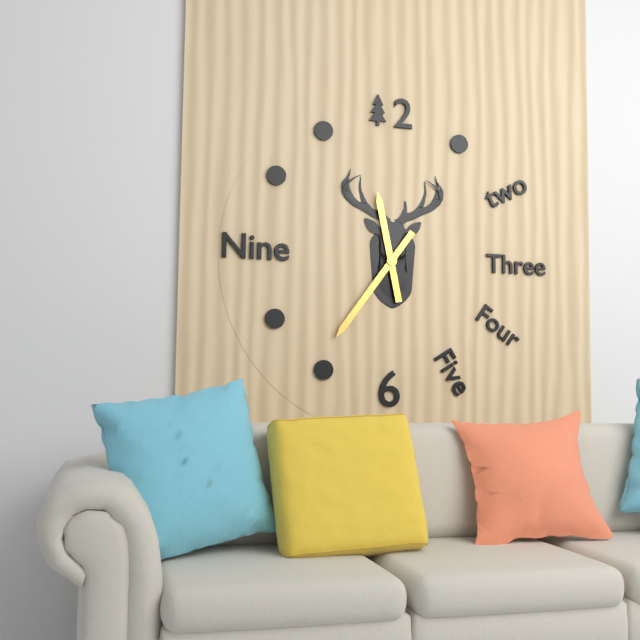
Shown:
11,36
